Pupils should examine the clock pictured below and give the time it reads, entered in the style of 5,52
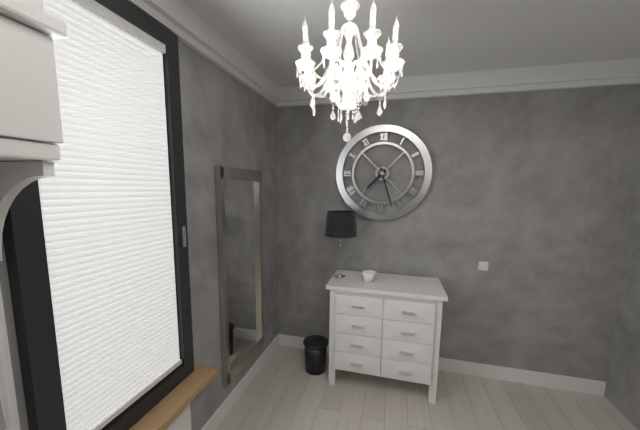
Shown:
7,27
